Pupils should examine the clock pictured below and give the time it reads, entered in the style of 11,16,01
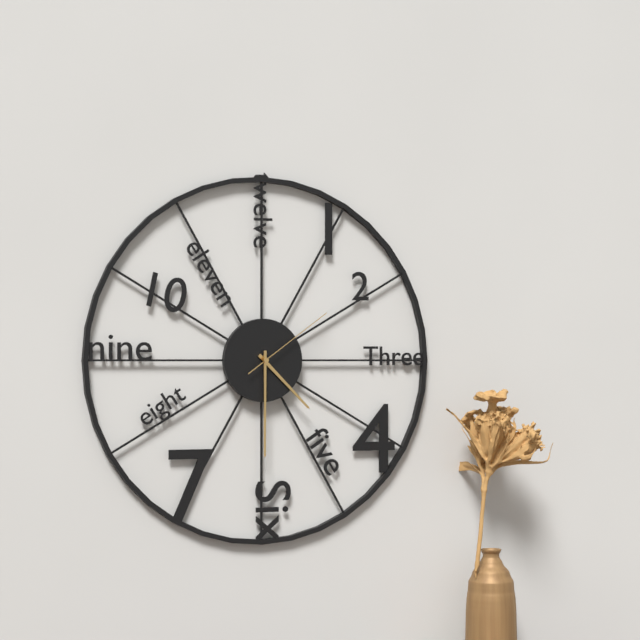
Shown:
4,30,09
